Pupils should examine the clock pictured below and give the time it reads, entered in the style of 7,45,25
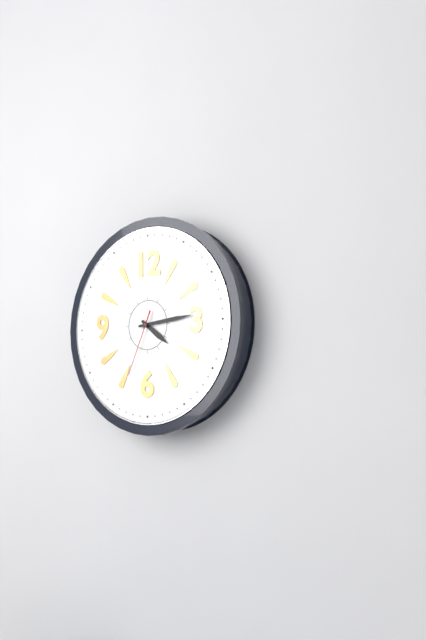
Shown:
4,14,34
